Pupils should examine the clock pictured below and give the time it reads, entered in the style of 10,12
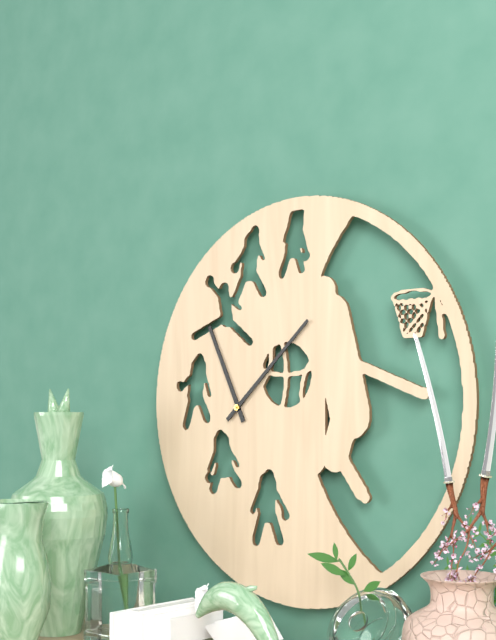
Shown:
11,08
